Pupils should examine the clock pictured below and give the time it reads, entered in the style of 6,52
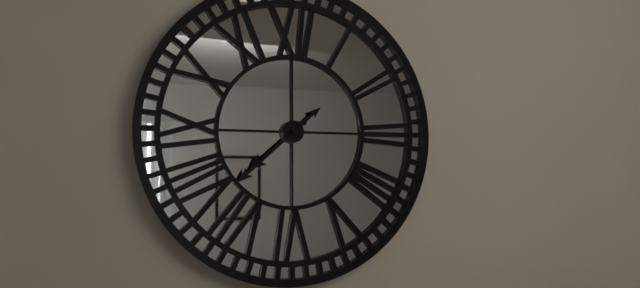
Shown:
7,38
